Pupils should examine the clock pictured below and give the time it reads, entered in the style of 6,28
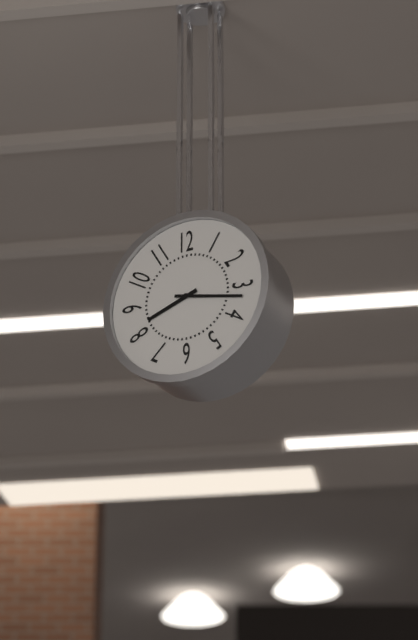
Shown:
8,17
